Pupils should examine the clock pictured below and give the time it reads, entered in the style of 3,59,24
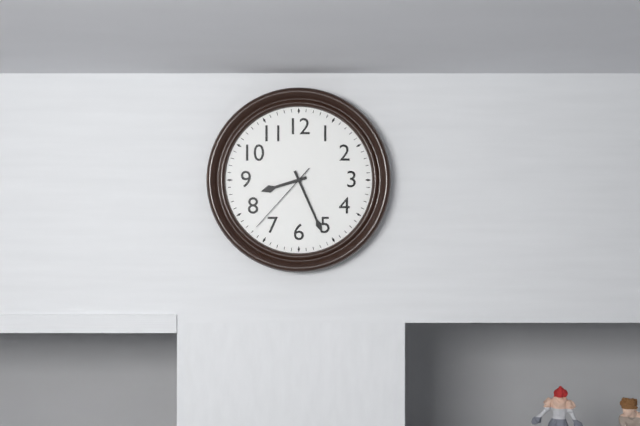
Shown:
8,26,37
